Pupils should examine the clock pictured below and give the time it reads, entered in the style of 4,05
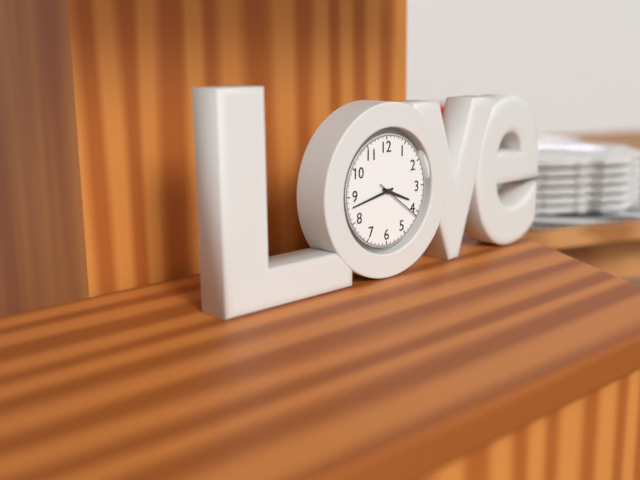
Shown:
3,43
